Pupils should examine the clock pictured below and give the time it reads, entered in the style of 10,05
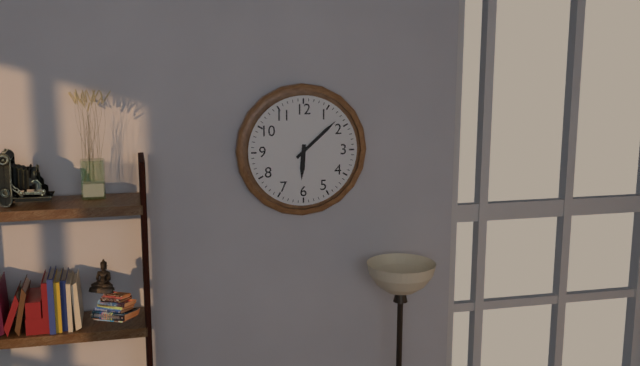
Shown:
6,08
